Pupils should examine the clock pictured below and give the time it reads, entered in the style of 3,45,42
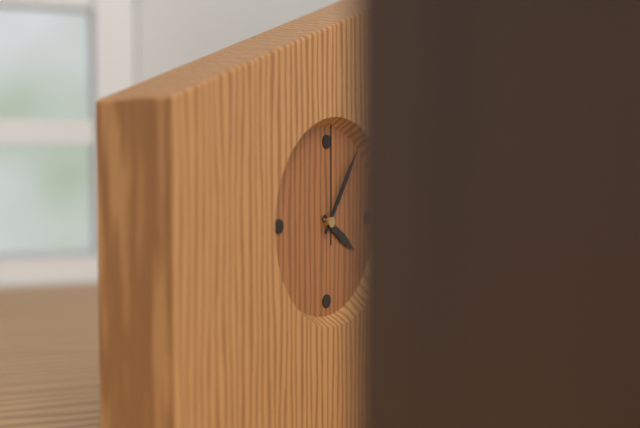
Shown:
4,06,00
